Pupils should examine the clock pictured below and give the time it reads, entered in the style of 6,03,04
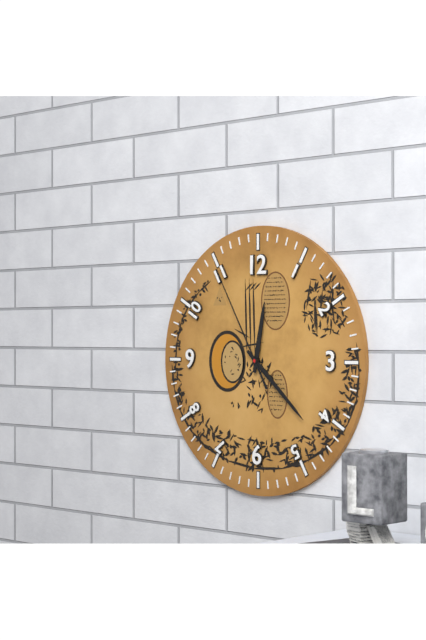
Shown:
12,22,55
